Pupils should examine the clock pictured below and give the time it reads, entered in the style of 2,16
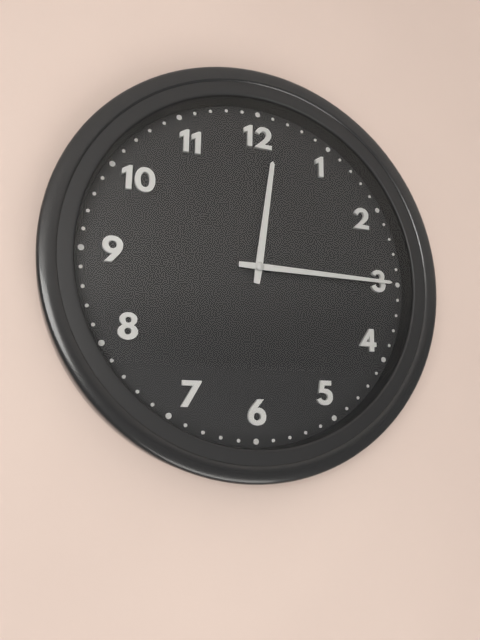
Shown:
12,15
